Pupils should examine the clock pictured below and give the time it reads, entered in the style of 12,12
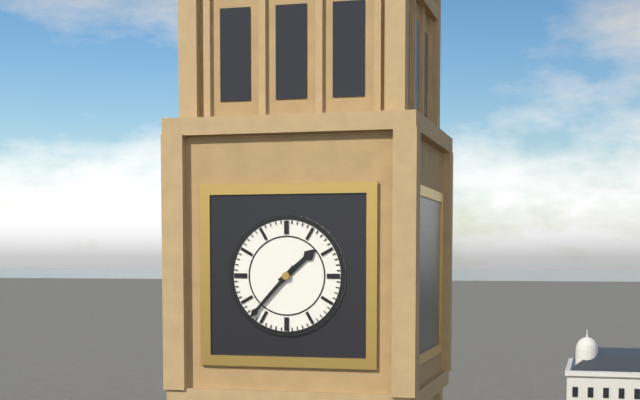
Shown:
1,37
